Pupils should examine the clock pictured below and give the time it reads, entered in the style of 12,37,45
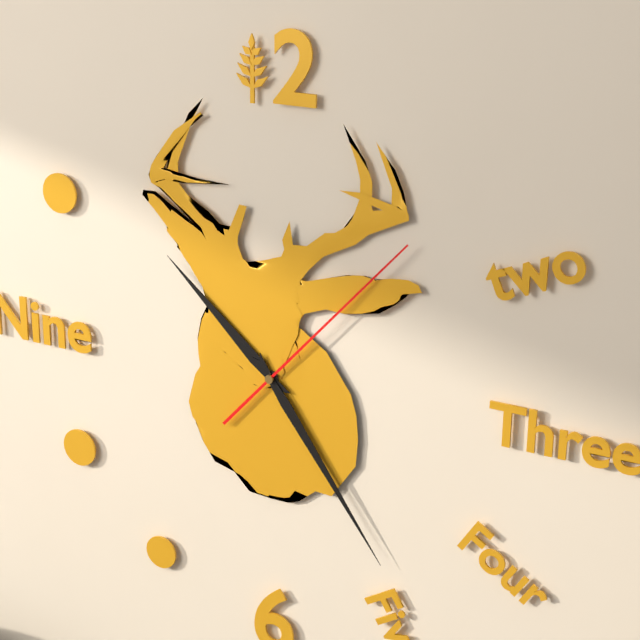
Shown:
10,24,07
